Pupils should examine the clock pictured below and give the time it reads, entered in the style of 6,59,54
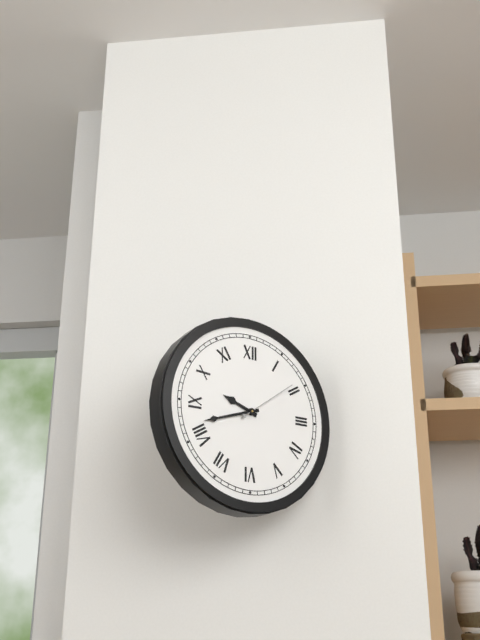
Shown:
9,42,09
